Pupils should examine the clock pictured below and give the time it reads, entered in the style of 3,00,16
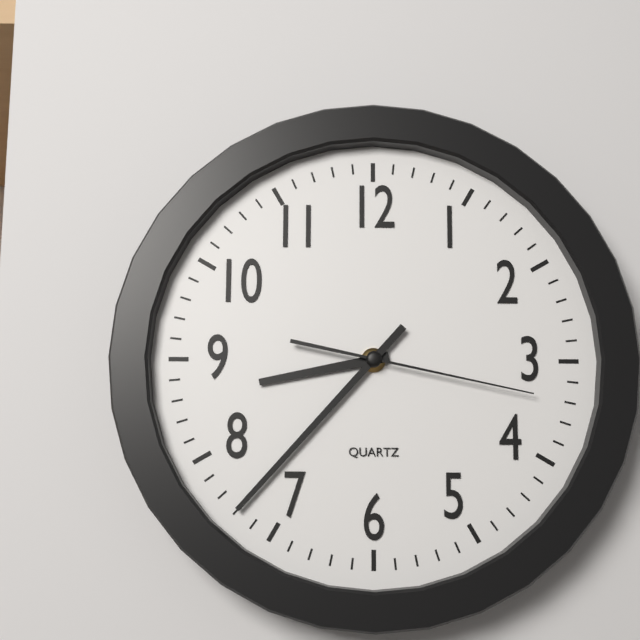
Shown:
8,37,17
